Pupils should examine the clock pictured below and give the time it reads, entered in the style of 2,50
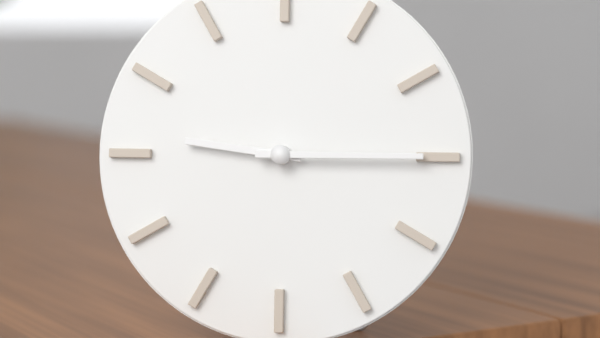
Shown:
9,15
